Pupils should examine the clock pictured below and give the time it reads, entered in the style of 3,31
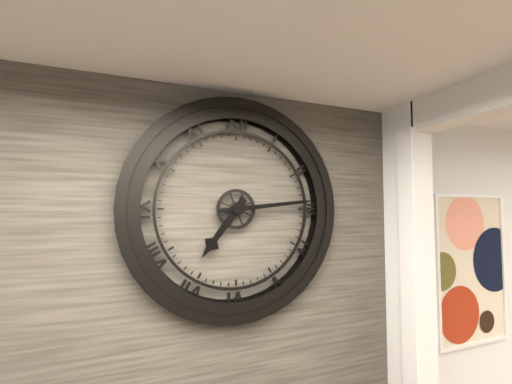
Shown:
7,14
